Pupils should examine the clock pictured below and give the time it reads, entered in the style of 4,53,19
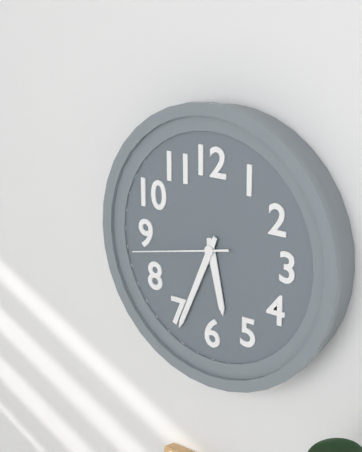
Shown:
5,34,43
